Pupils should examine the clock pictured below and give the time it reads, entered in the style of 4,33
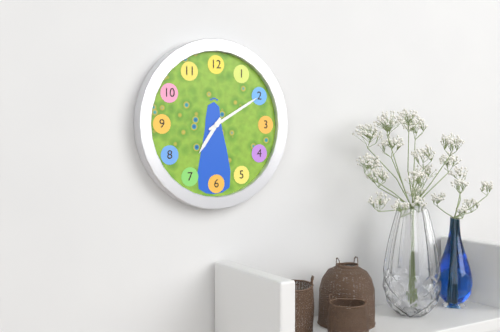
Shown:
7,10
